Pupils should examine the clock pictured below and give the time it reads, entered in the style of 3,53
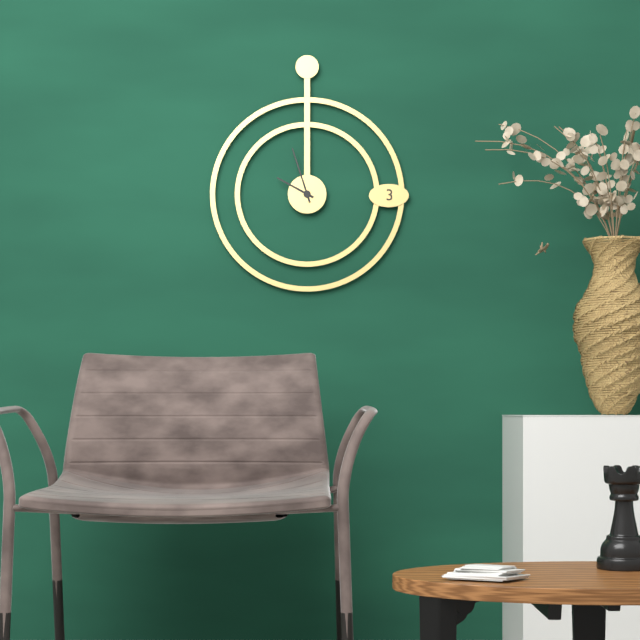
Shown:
9,57
